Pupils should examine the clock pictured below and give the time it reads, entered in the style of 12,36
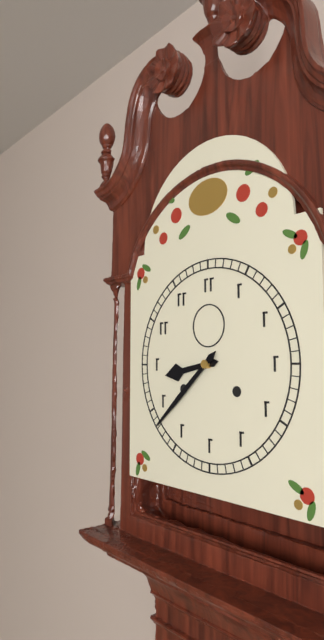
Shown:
8,38
